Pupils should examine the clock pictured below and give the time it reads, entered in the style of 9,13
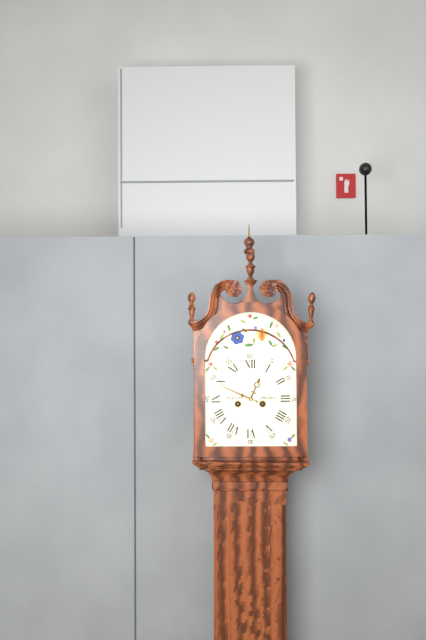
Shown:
12,49
